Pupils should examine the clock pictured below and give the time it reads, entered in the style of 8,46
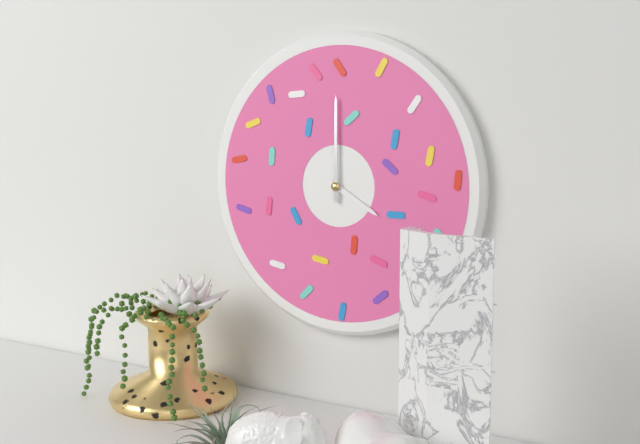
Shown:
4,00
